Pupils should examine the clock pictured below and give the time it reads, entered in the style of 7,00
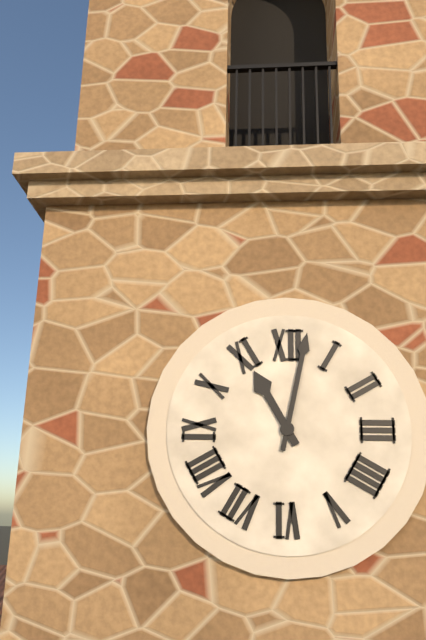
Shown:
11,02
